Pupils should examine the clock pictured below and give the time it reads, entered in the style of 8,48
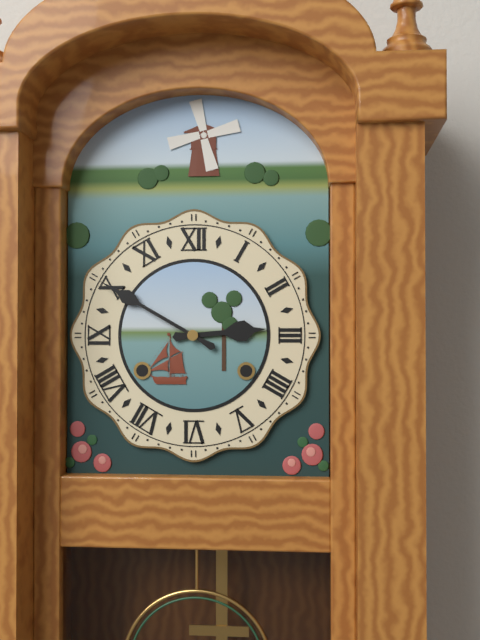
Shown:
2,50
